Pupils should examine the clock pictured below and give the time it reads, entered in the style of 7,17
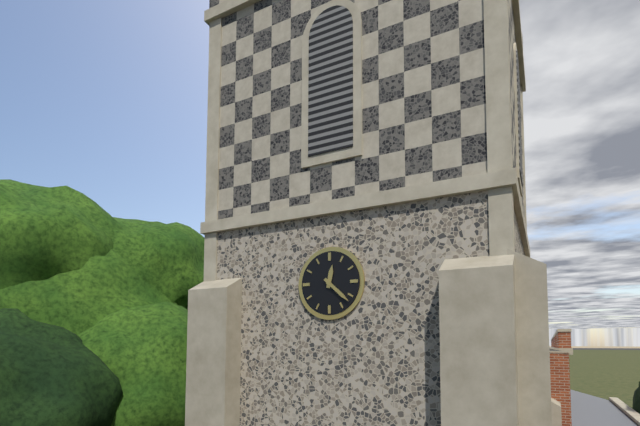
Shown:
12,22
